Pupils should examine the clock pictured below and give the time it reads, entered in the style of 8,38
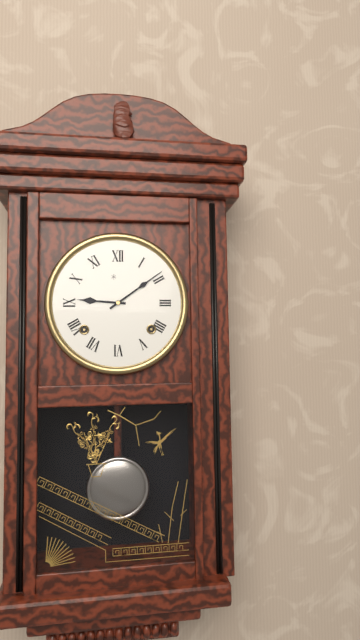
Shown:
9,09
